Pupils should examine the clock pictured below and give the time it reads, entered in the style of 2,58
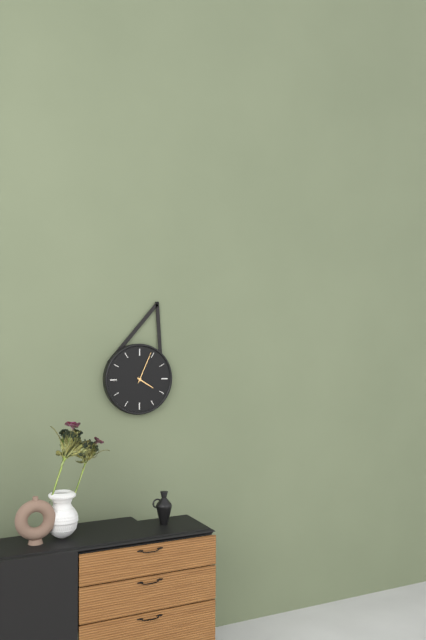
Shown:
4,04
